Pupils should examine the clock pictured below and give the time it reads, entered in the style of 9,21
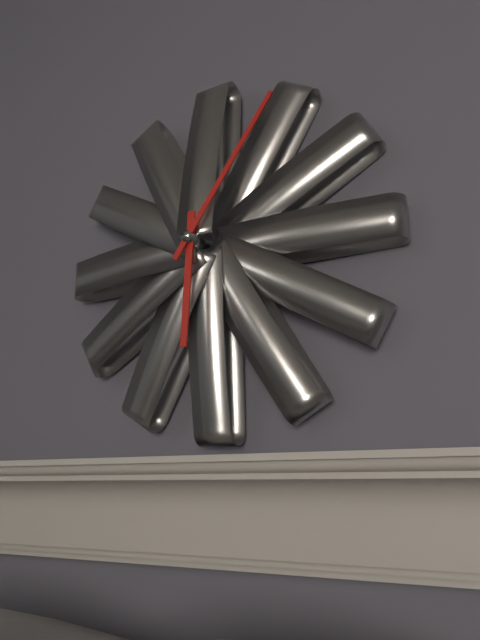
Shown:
6,06
